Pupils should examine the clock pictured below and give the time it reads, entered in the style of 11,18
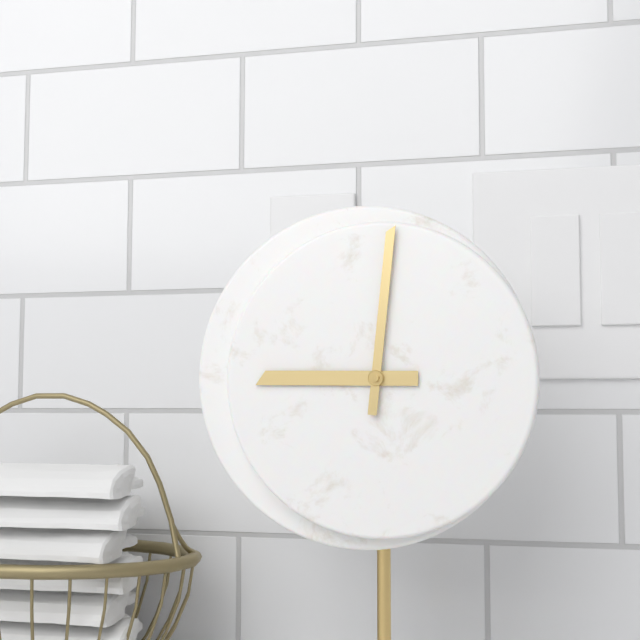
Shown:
9,01
